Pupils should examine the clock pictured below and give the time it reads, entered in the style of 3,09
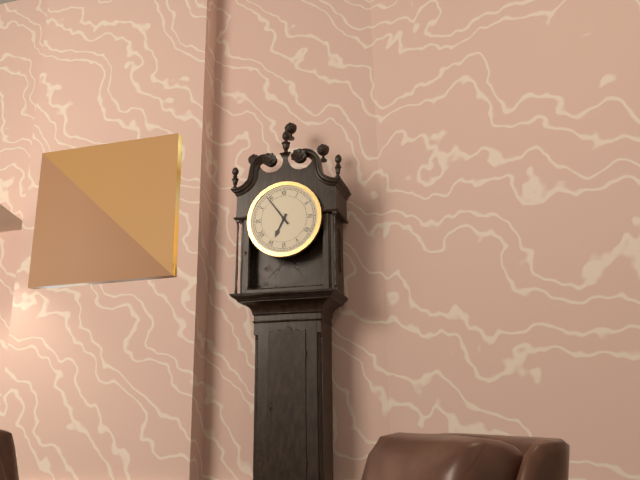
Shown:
6,54
